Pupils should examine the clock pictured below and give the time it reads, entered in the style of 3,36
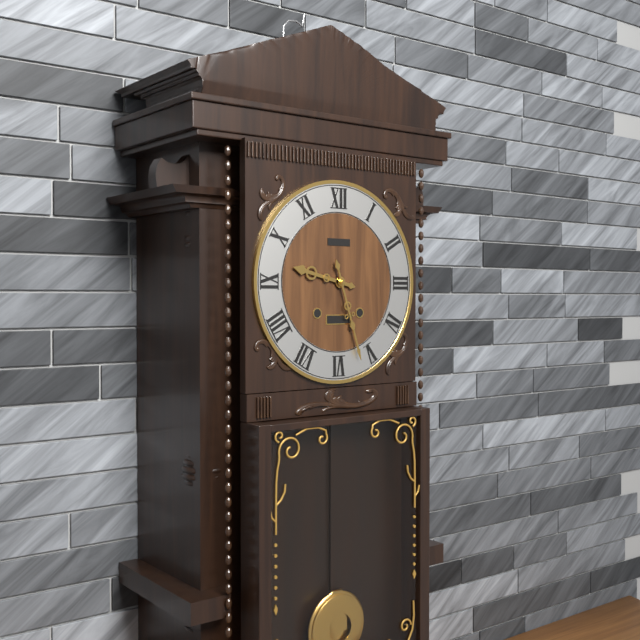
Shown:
9,27
